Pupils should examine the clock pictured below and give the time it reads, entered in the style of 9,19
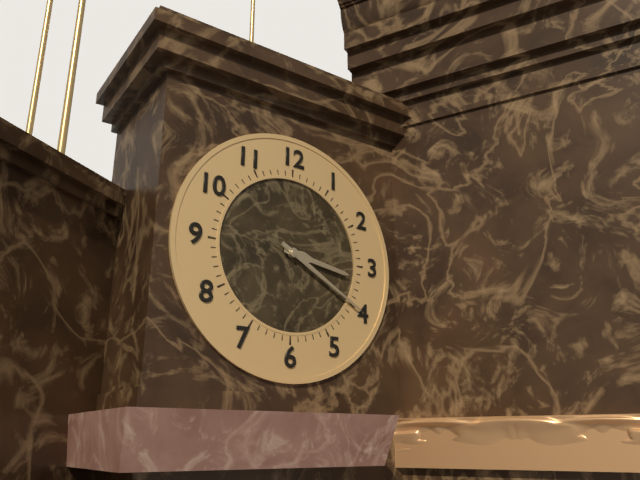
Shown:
3,20
